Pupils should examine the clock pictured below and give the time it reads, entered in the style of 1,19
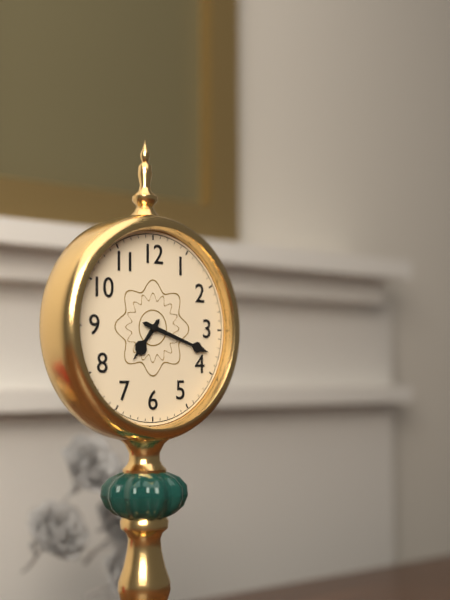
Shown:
7,18
